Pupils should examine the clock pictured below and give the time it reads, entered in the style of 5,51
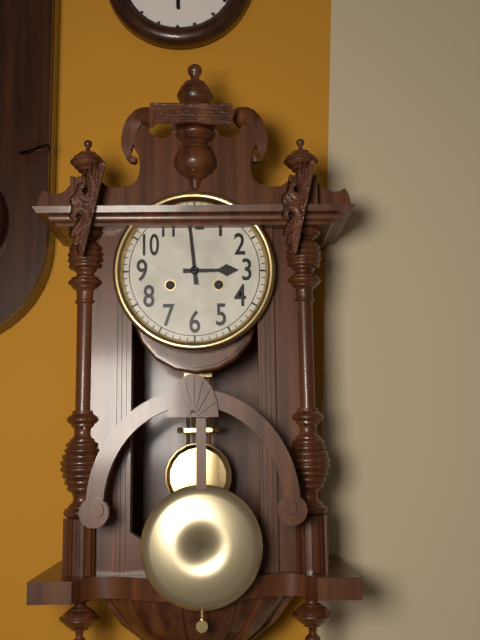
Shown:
2,59
